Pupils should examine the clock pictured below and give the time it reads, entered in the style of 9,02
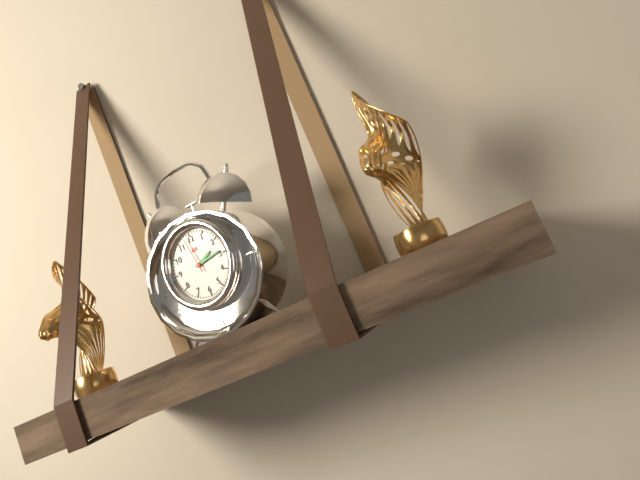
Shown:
2,14
